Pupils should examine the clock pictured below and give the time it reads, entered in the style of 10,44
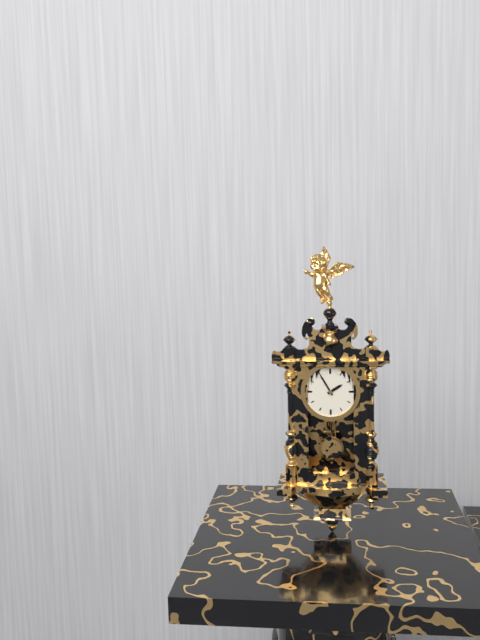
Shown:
1,55
